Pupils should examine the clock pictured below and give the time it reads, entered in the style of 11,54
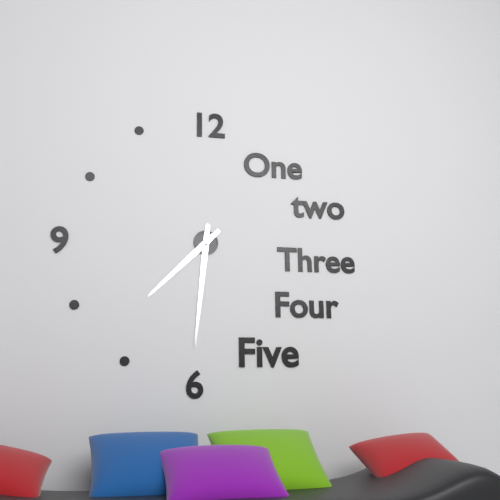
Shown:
7,31
